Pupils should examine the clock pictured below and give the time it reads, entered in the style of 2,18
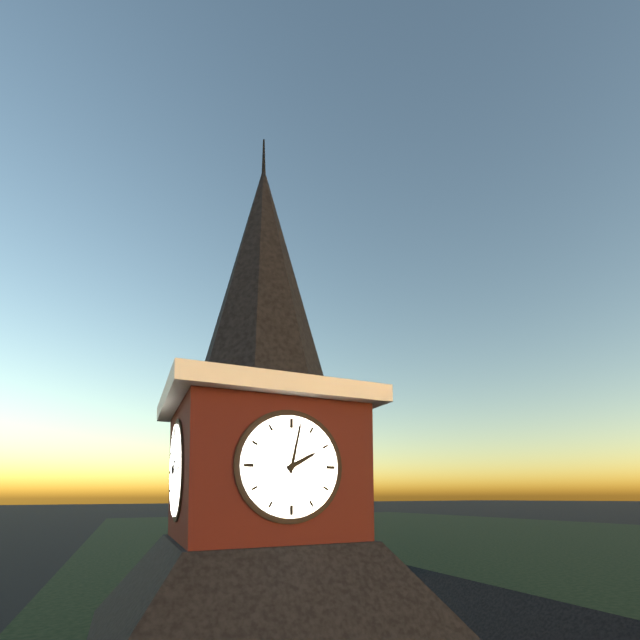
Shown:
2,02
